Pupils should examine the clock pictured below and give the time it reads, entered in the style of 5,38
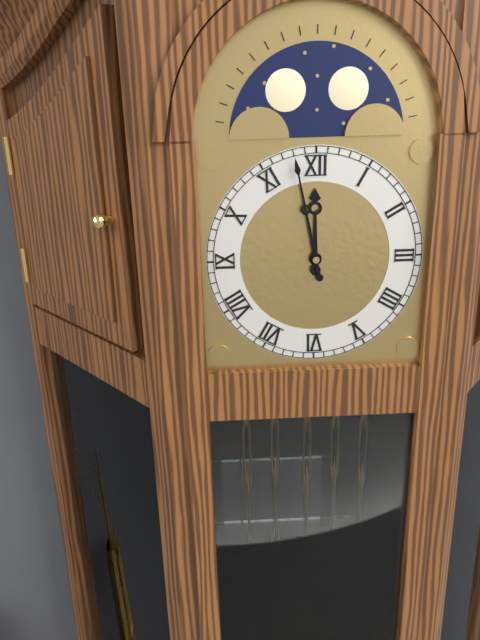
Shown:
11,58
